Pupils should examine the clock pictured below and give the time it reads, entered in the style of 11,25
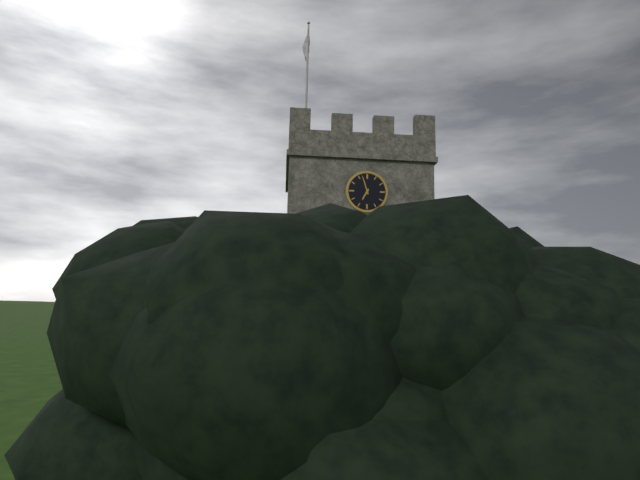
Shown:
6,57
